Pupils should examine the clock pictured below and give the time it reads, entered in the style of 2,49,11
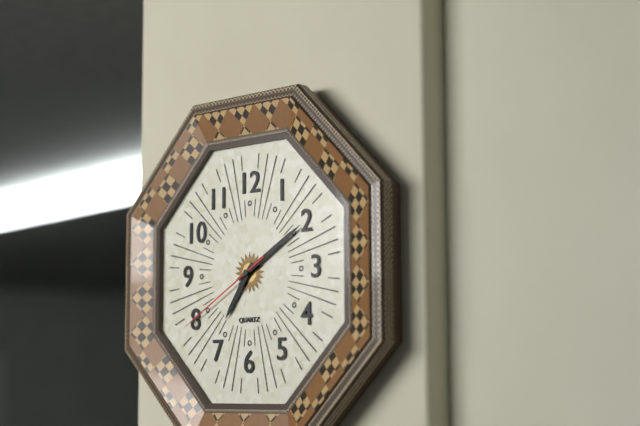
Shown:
7,10,40
